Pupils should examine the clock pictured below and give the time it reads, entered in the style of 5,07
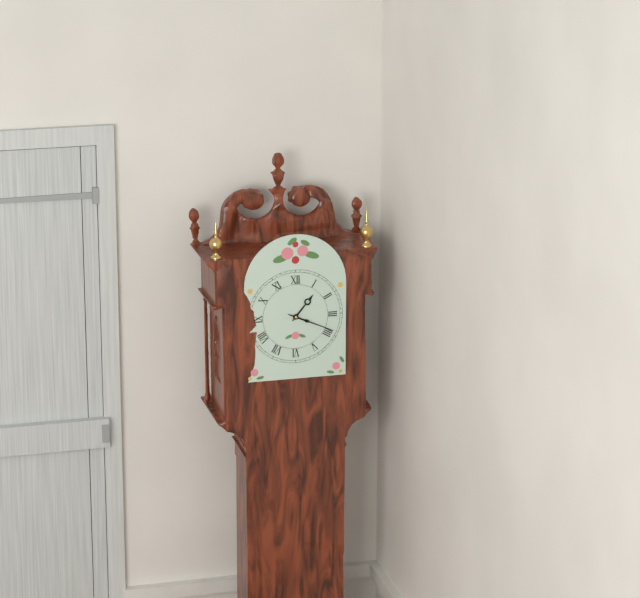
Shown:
1,19
